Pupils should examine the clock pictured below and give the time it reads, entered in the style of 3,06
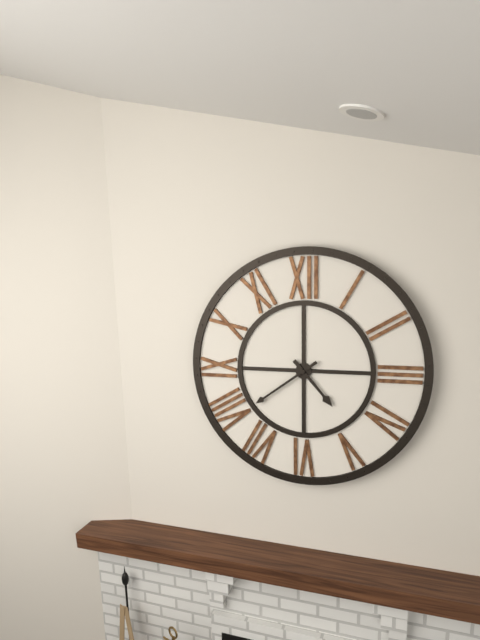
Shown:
4,39
